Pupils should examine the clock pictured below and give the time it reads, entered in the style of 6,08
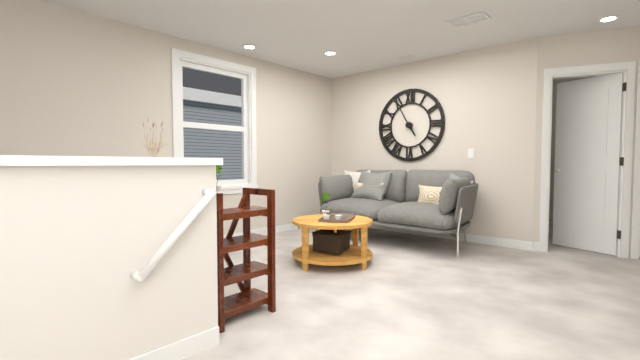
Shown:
4,55
